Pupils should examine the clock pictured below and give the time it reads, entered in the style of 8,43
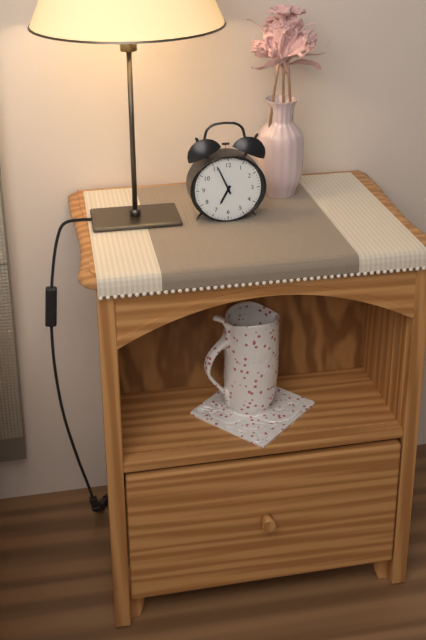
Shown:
6,56
